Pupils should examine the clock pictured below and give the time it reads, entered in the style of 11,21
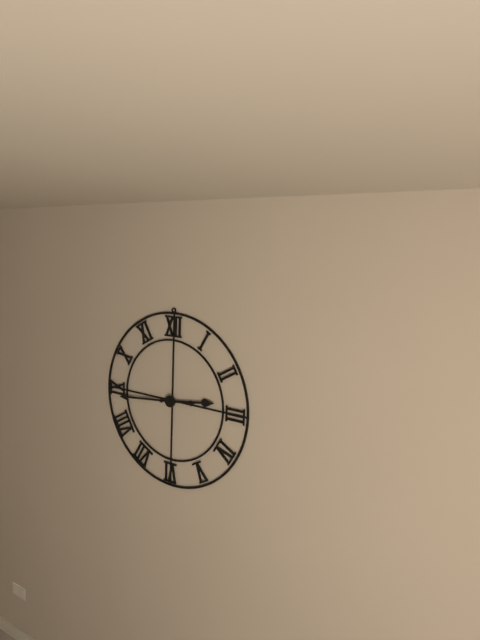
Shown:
2,44
